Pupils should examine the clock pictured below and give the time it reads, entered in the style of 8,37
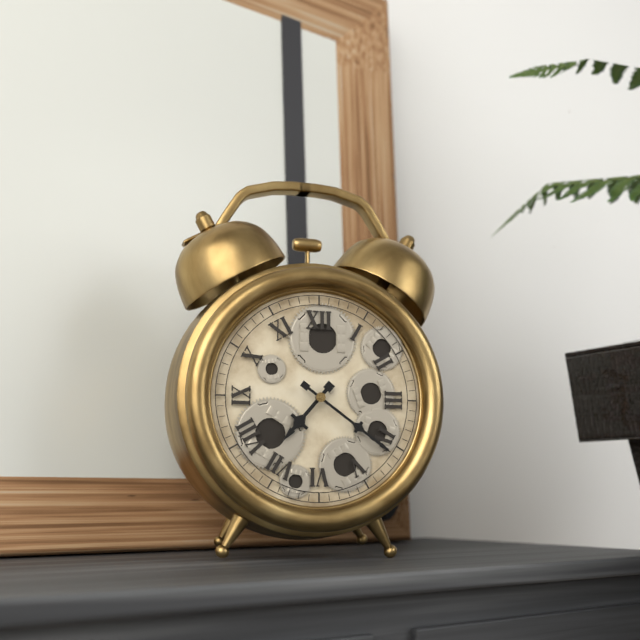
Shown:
7,21
